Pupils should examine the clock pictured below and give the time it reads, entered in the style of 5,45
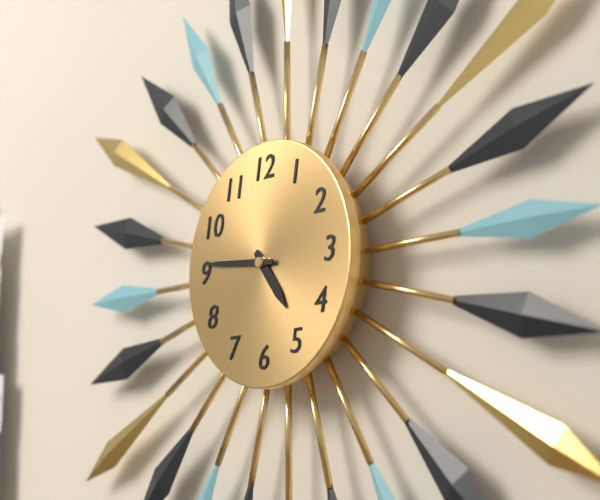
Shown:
4,46
